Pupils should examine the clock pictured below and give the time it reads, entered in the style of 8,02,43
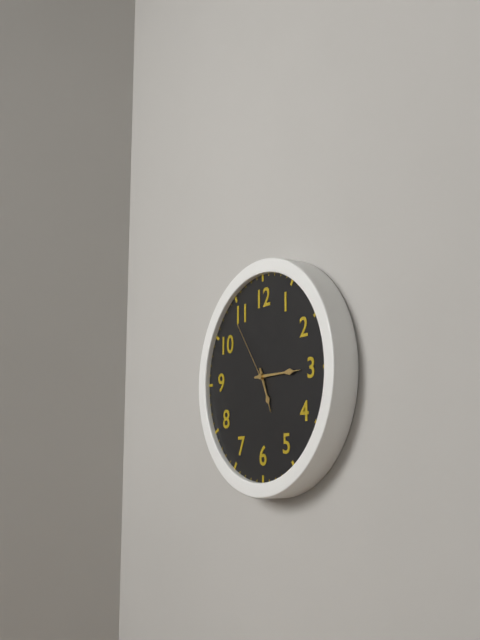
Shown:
5,15,54
